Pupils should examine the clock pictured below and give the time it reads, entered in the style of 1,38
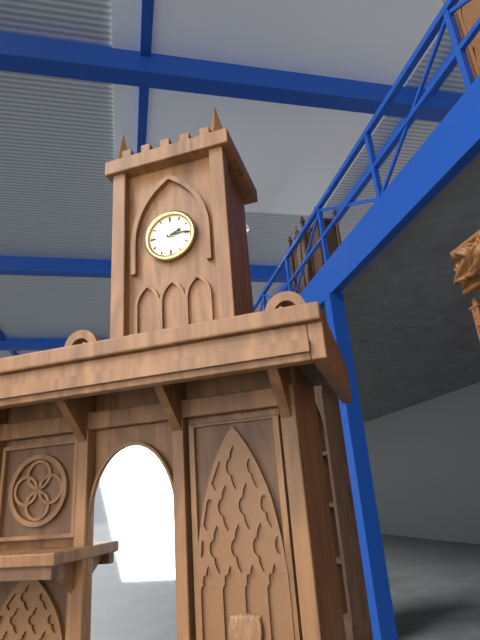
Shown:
2,15
